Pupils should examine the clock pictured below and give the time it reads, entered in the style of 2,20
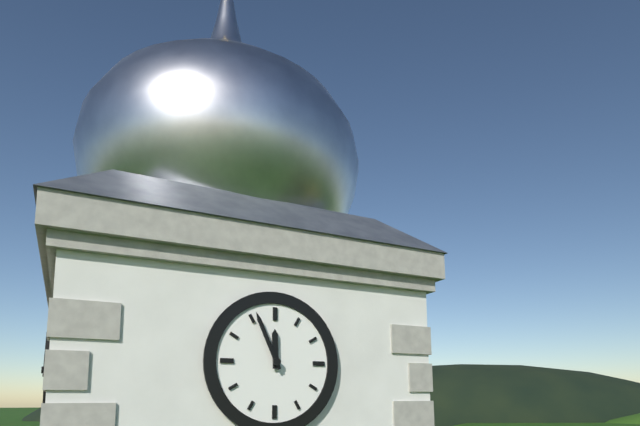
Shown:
11,56
